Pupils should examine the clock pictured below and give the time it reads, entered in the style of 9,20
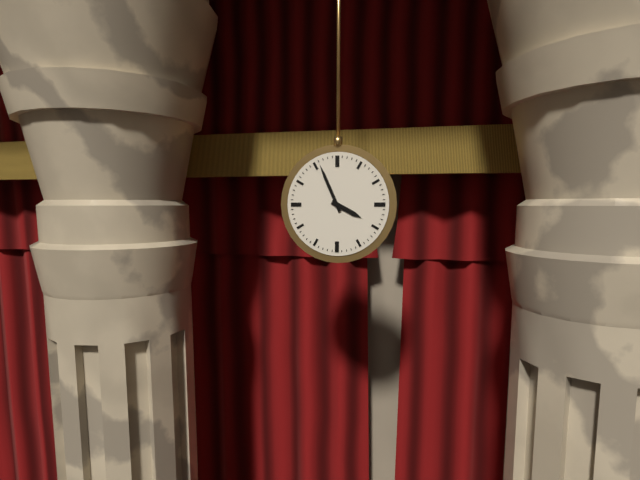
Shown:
3,56
